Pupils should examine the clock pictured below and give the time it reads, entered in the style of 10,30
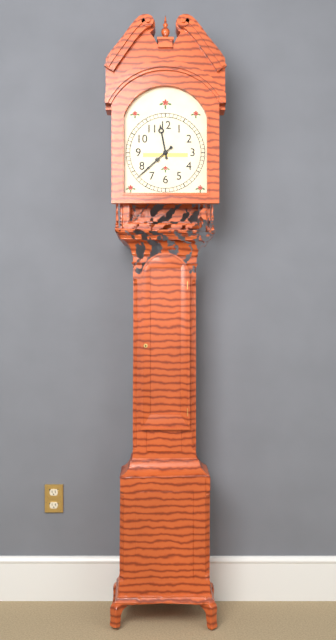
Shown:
11,38
